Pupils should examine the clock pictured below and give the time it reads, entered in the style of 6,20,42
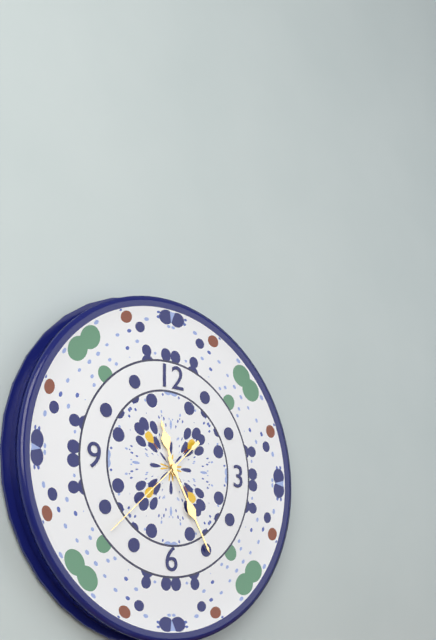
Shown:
11,25,38
